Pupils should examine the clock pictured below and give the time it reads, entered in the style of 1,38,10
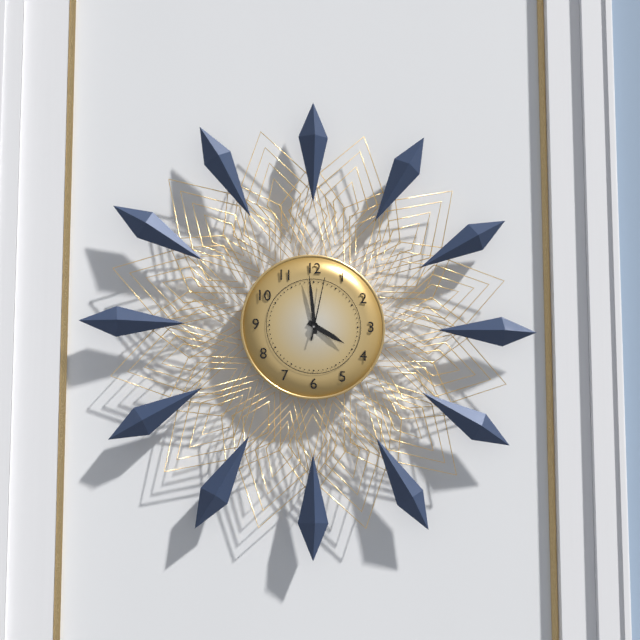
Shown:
3,59,02
